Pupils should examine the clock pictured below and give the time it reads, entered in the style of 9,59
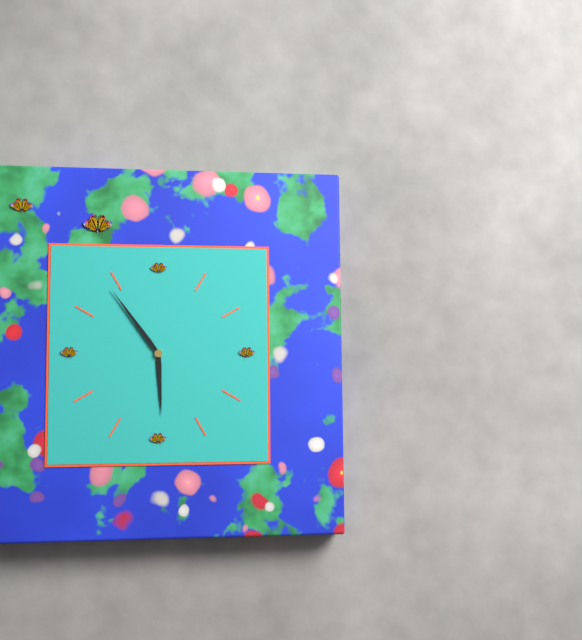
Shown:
5,54
